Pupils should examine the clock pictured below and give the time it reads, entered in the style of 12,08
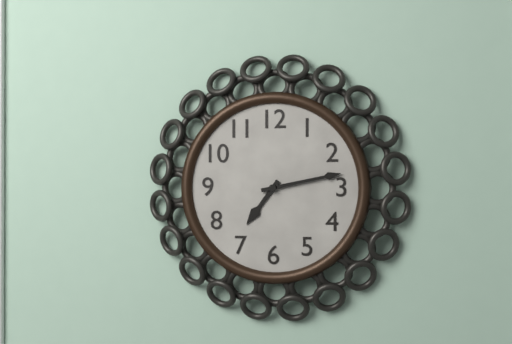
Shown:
7,13
